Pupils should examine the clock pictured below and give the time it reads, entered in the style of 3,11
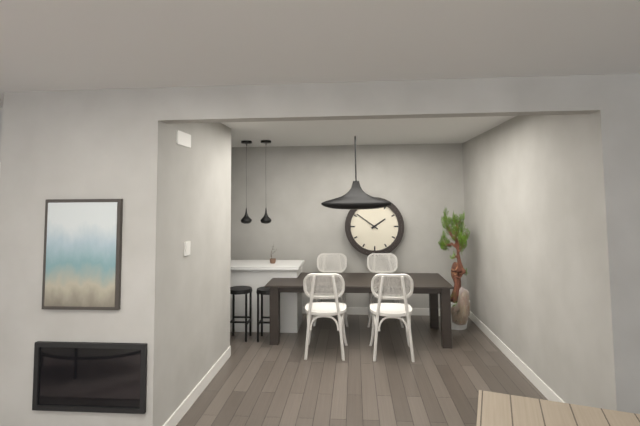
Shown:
1,51
